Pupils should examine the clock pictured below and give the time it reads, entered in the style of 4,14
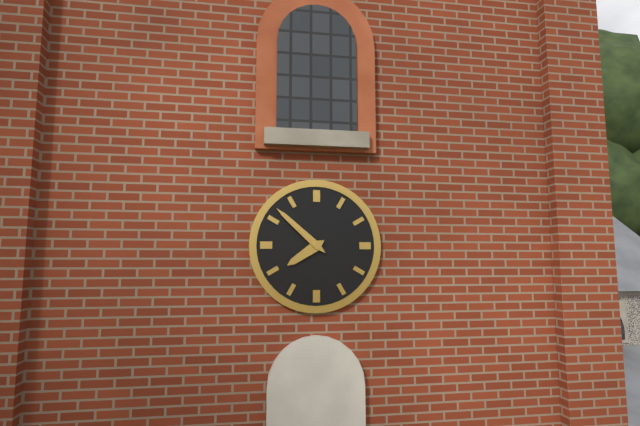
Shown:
7,52
